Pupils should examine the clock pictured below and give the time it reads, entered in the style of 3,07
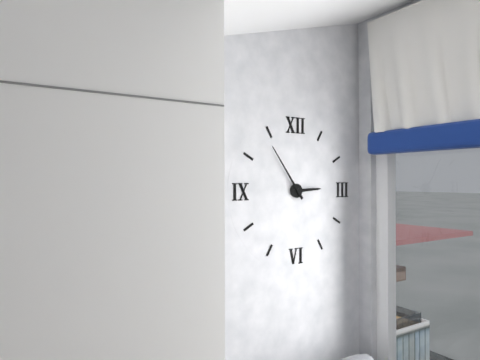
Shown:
2,54
